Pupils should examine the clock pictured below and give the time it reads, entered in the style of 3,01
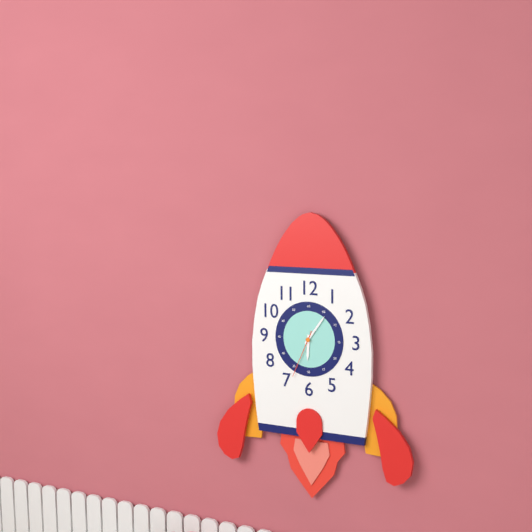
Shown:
6,06
